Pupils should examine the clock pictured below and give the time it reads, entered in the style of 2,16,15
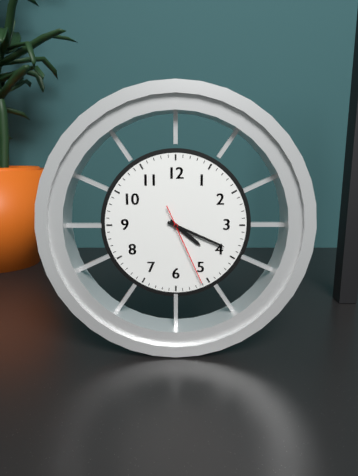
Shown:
4,19,26
